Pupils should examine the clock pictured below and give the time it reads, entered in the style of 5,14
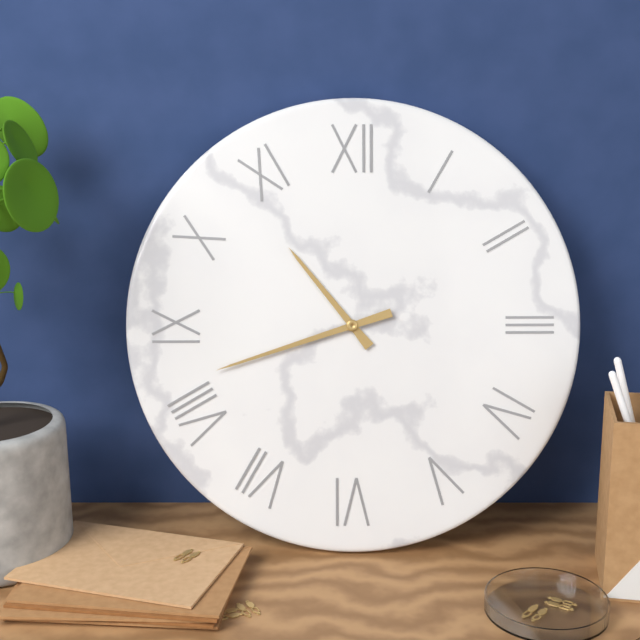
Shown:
10,42
